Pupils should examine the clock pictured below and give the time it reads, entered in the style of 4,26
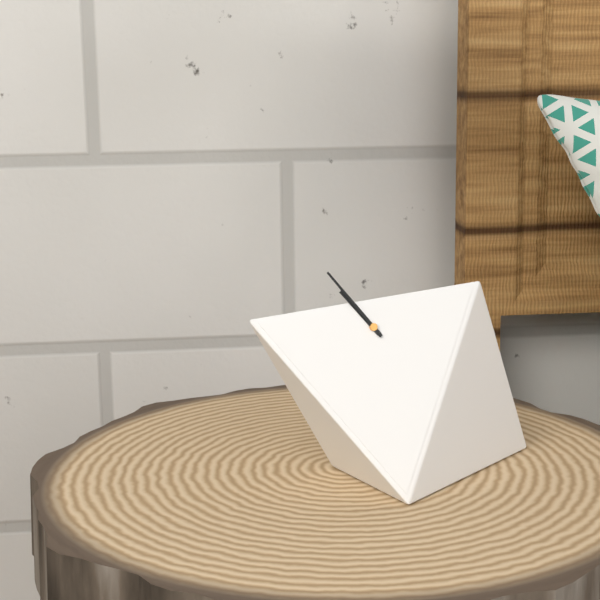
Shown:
10,55
